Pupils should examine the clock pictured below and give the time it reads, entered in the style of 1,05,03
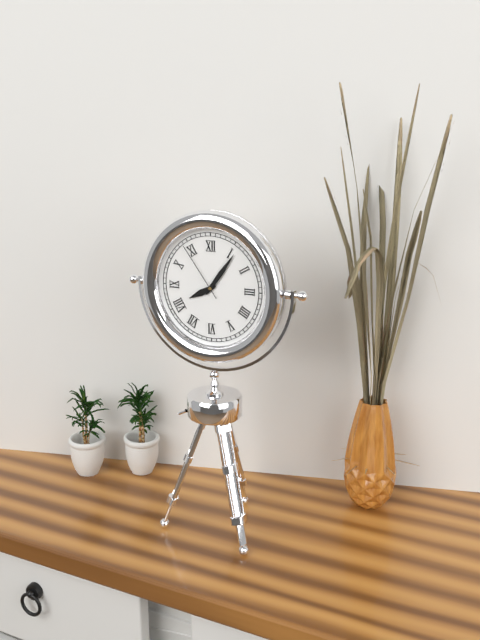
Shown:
8,06,54
